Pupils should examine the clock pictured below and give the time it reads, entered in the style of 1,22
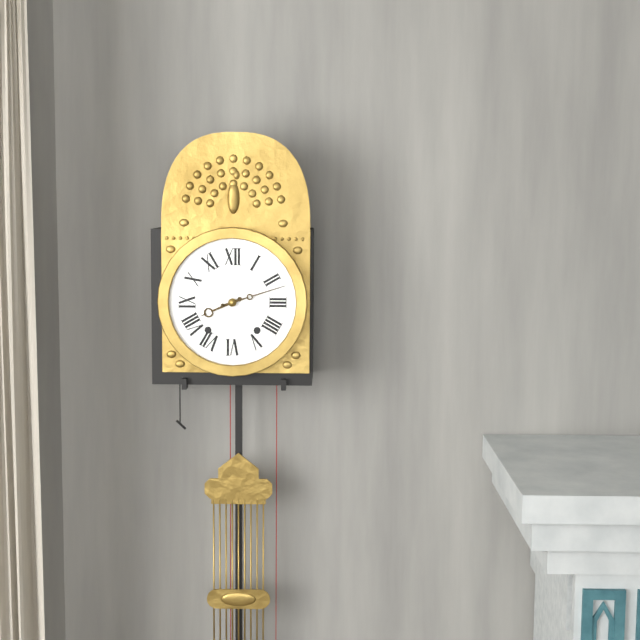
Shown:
8,12
